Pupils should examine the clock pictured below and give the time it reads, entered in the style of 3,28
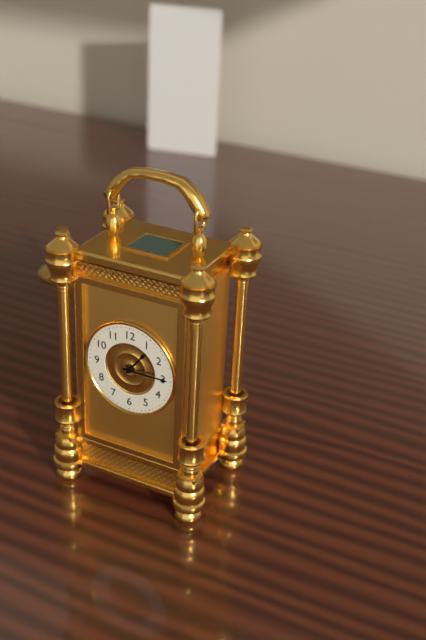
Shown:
1,15
